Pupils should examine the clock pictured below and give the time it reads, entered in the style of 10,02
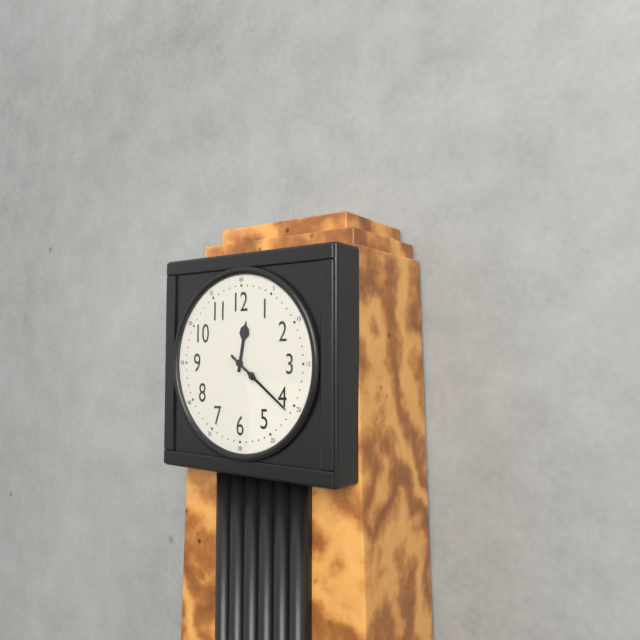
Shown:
12,21
